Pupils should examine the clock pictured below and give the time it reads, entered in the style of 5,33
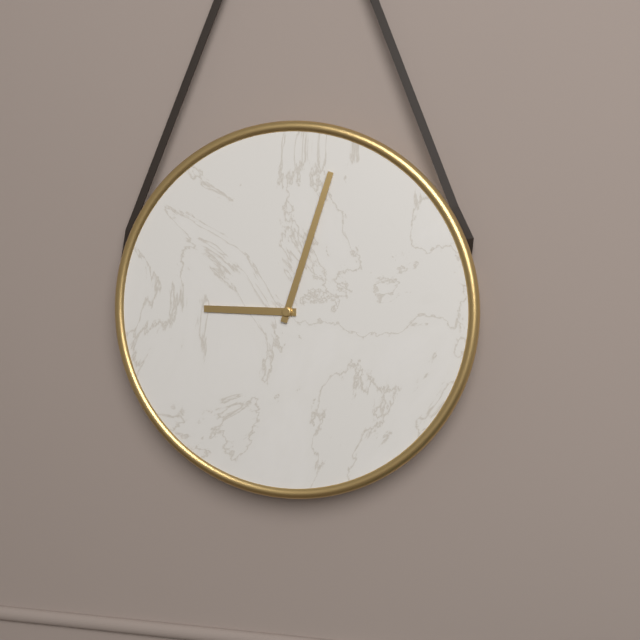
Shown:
9,03
